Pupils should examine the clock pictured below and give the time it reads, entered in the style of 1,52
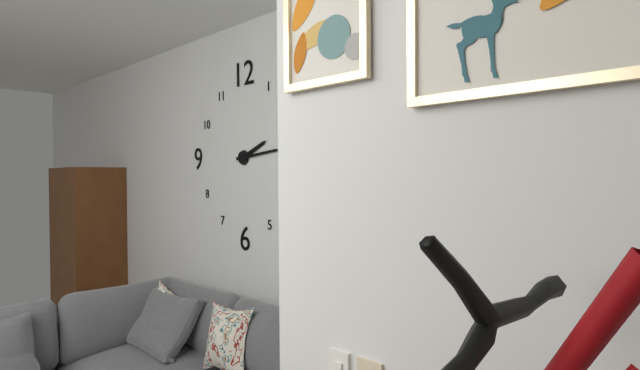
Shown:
2,14
